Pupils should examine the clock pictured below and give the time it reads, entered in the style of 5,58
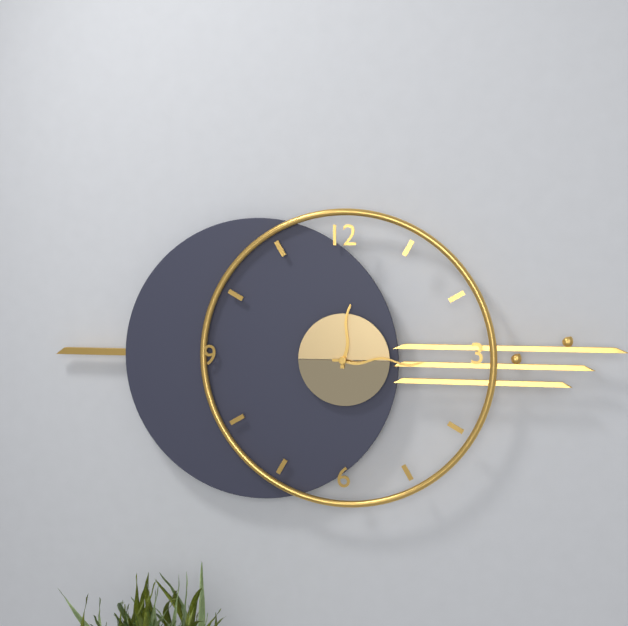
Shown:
12,15
